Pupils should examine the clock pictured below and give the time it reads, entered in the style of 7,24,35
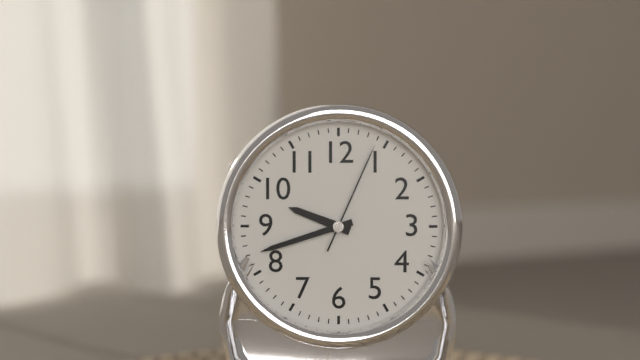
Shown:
9,42,04
